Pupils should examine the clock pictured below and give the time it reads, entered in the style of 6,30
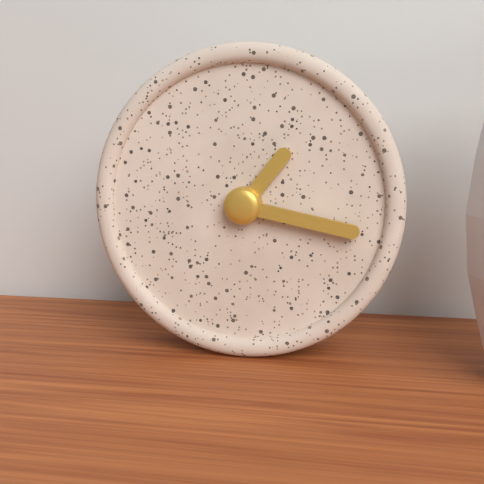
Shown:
1,17
